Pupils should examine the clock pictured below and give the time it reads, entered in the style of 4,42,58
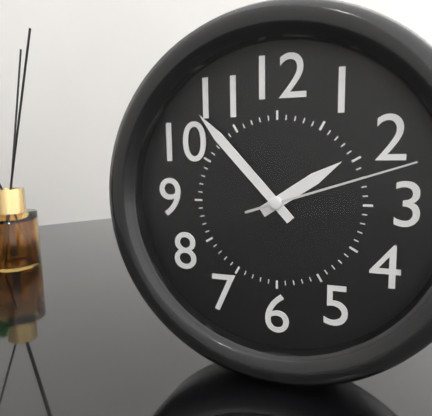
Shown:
1,53,12
